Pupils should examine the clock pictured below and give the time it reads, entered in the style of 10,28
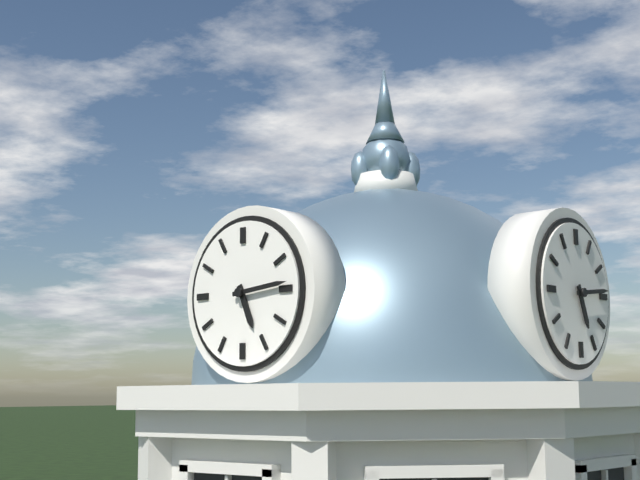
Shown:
5,14
